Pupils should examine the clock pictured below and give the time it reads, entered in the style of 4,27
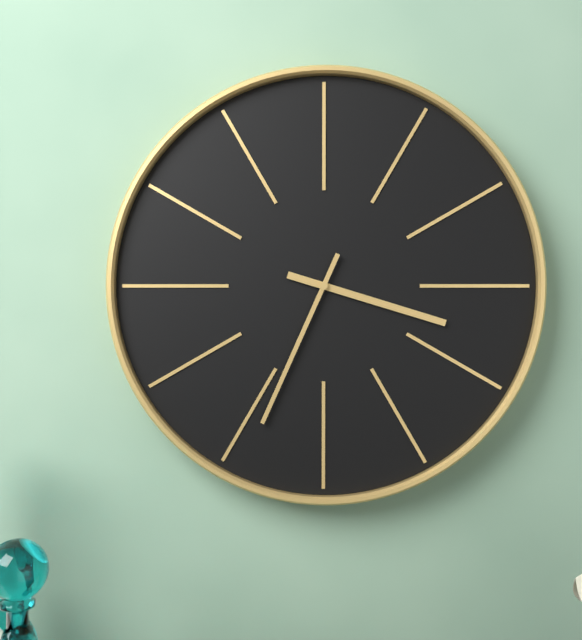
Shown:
3,34
